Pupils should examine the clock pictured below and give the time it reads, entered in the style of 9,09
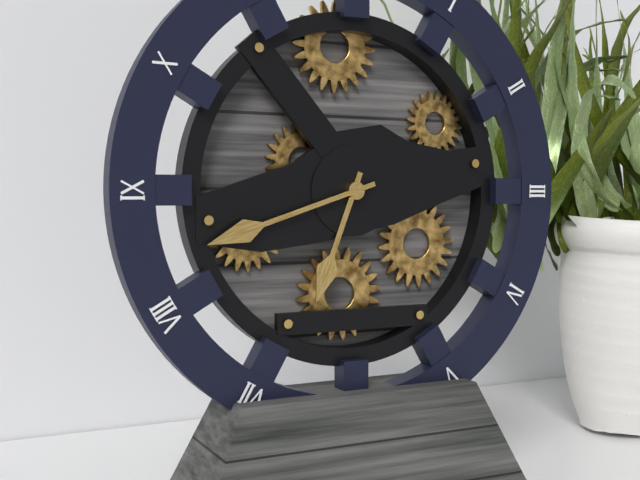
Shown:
6,42
